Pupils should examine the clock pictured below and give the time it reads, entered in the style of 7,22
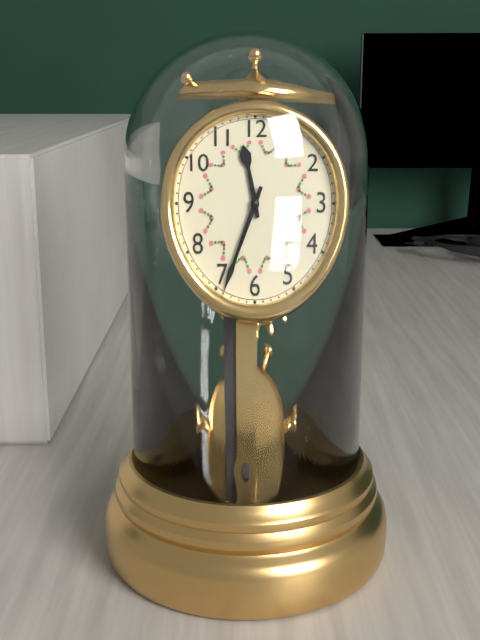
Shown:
11,34
